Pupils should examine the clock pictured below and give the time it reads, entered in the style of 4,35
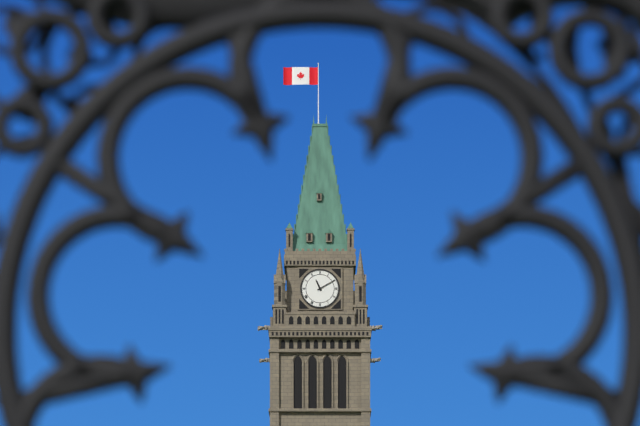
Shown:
11,10
